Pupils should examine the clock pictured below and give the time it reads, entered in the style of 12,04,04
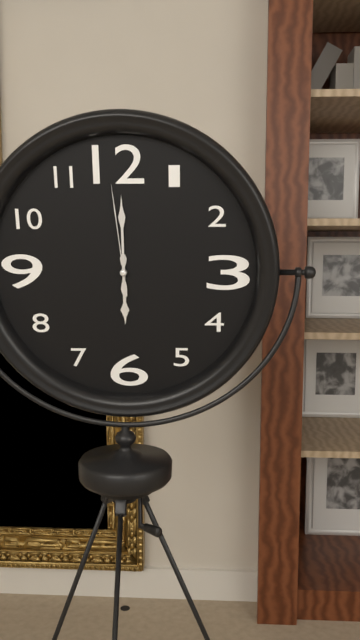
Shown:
6,00,59
